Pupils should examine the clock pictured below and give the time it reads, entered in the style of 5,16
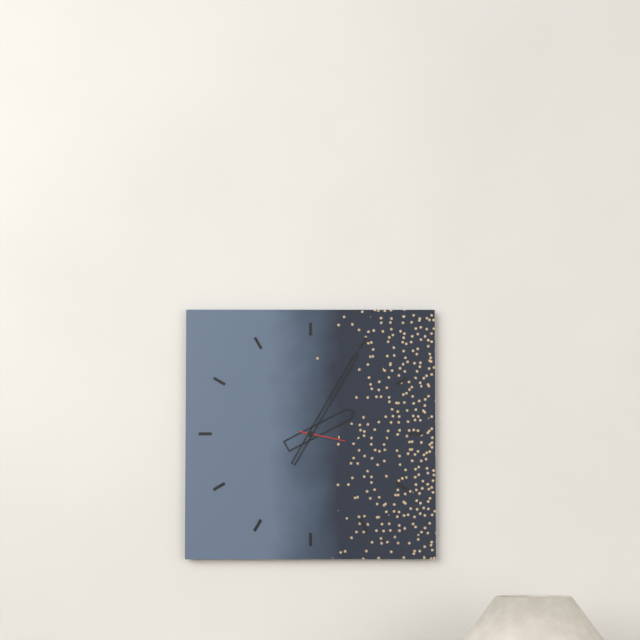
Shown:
2,05
